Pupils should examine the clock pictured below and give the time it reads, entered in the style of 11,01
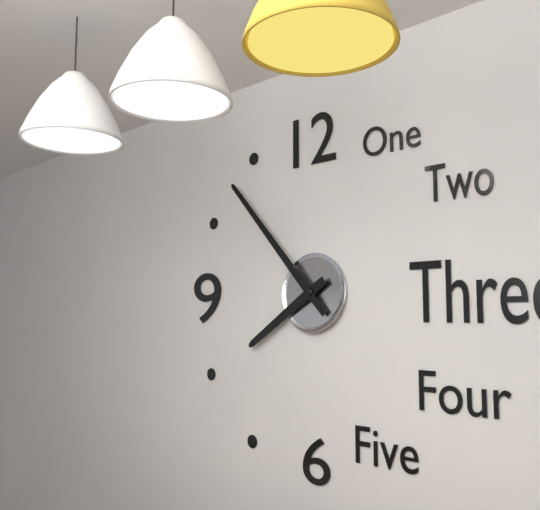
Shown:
7,53
